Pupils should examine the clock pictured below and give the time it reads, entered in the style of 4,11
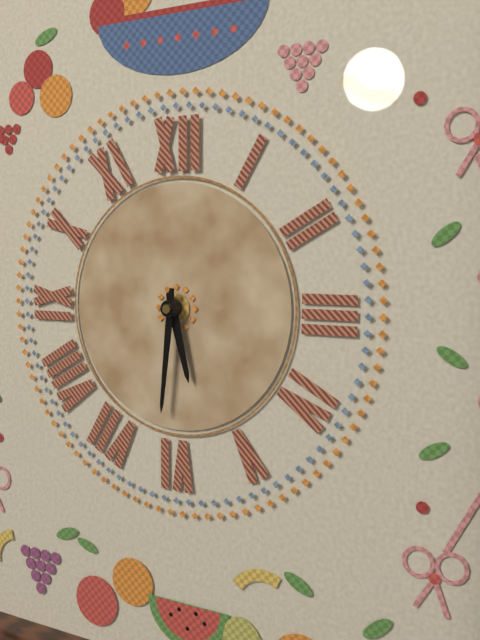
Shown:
5,31
